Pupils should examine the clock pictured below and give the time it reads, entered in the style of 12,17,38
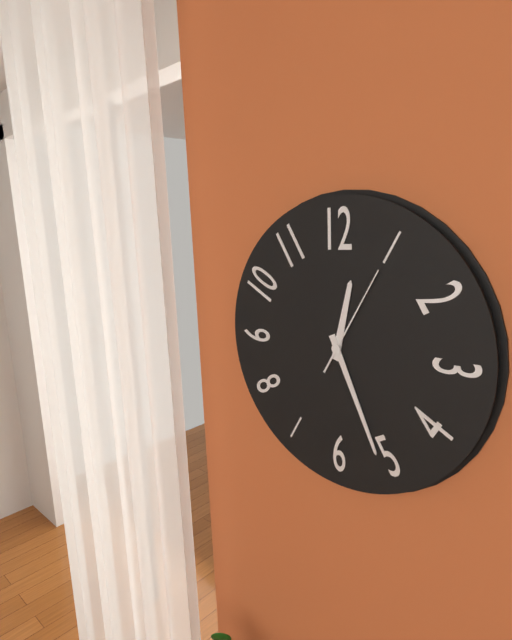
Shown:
12,26,05
